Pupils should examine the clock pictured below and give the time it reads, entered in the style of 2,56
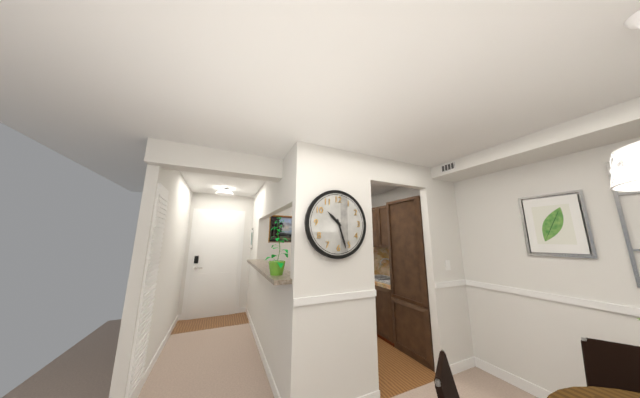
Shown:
10,27
